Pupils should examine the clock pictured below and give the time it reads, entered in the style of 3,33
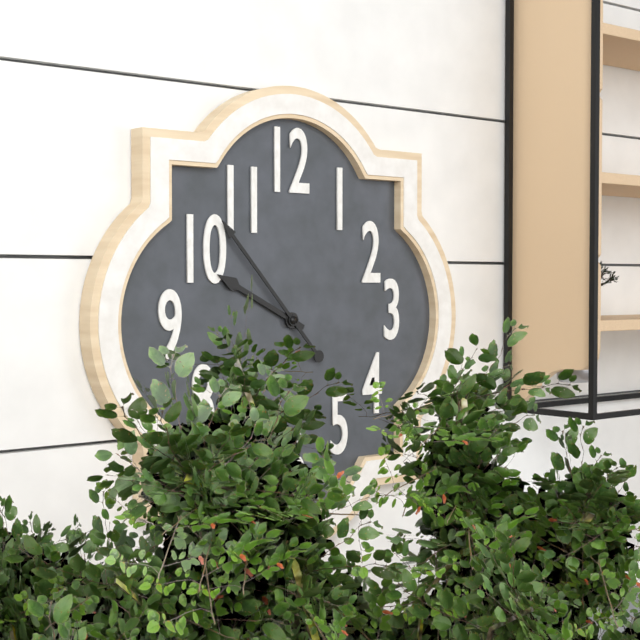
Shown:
9,53
